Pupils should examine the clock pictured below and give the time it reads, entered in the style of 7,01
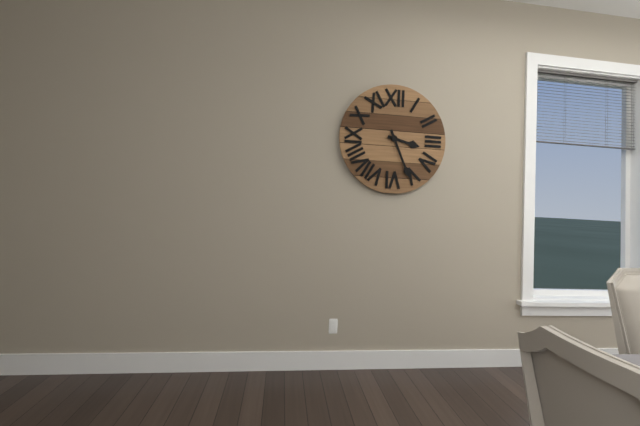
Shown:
3,26
